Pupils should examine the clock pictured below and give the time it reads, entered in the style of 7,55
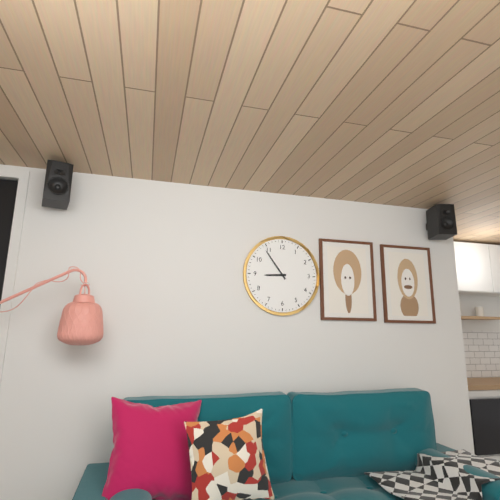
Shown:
8,54
